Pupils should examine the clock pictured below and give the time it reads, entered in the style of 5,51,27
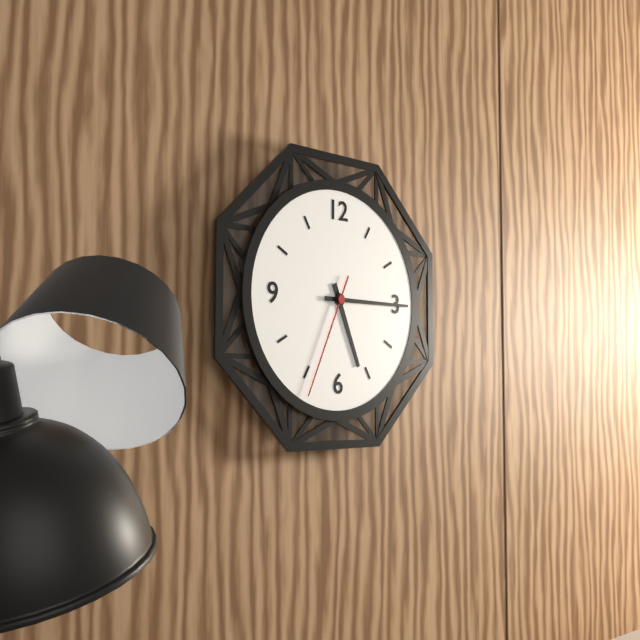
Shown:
5,15,34
